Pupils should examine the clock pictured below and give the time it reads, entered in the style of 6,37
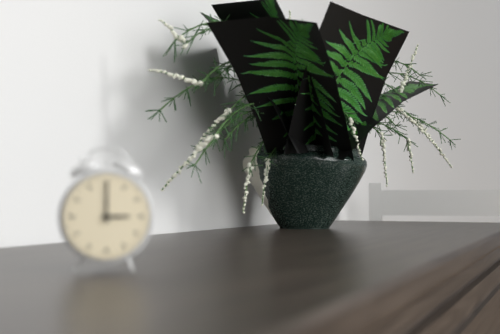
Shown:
3,00
